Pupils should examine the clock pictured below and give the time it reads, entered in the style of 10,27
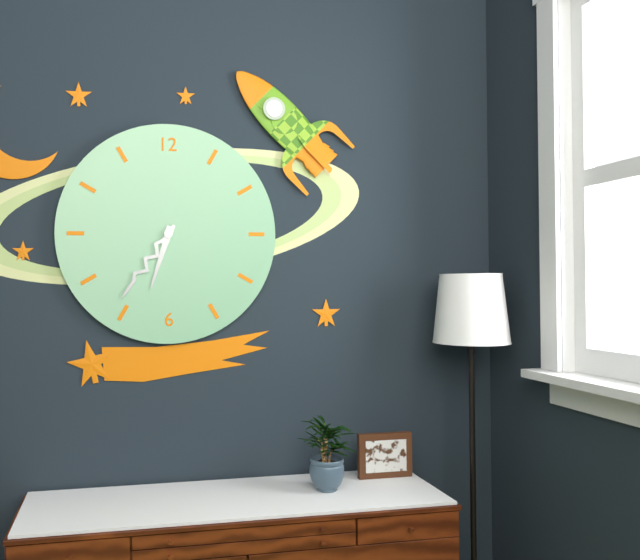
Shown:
6,36
